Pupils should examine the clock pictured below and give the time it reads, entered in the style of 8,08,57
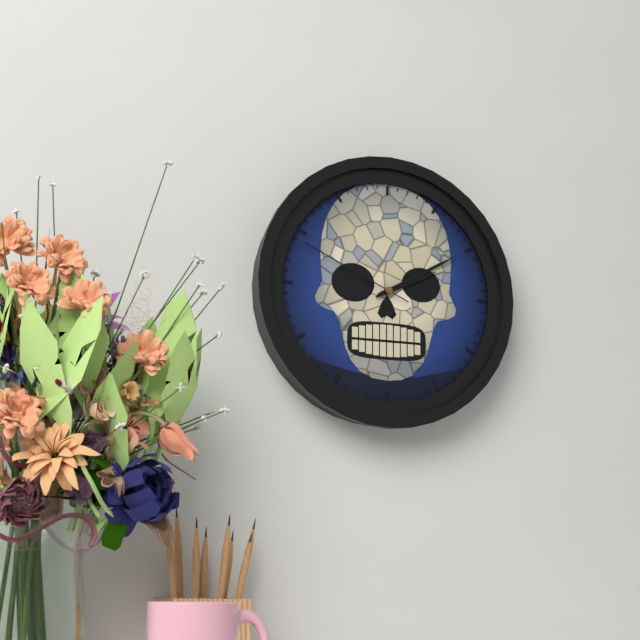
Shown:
2,10,49
